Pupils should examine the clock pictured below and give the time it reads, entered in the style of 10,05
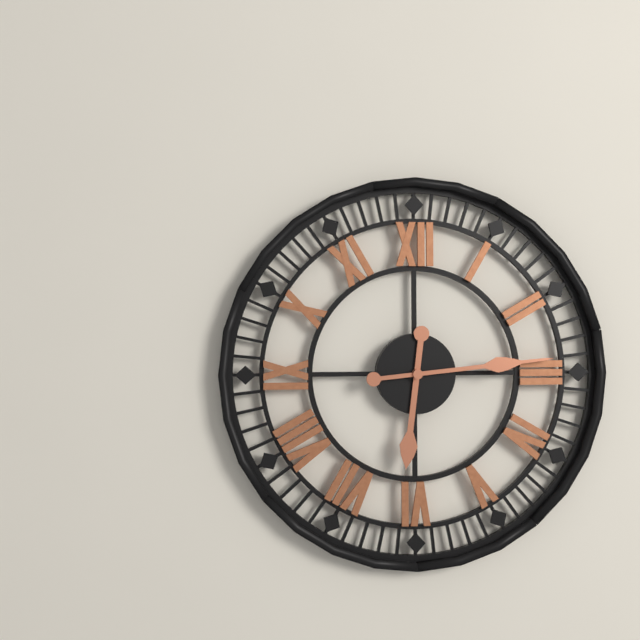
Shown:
6,14
